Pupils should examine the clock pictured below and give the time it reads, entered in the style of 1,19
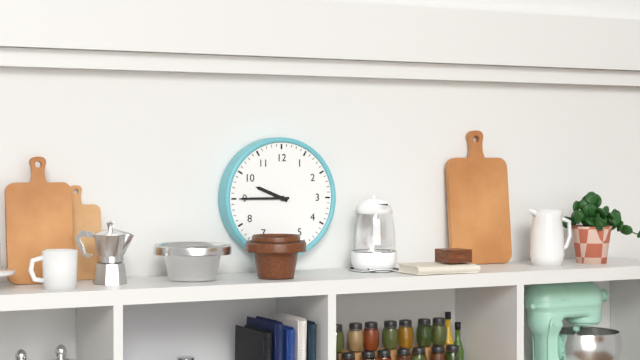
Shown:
9,45
